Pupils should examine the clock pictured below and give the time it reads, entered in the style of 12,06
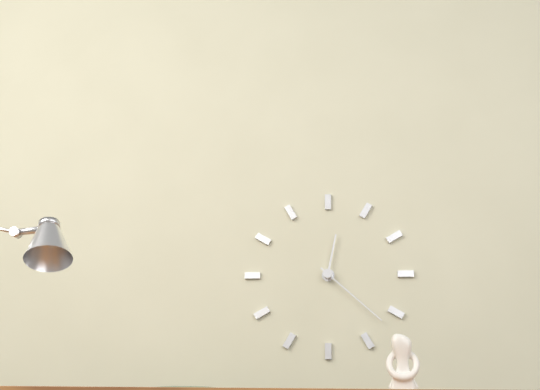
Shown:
12,22
